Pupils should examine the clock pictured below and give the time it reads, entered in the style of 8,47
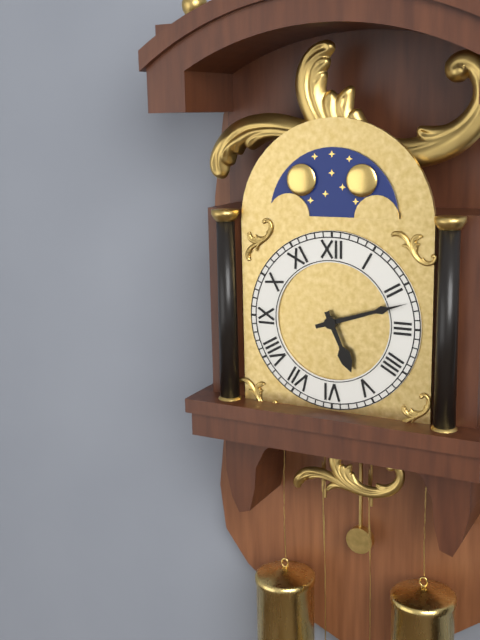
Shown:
5,12
